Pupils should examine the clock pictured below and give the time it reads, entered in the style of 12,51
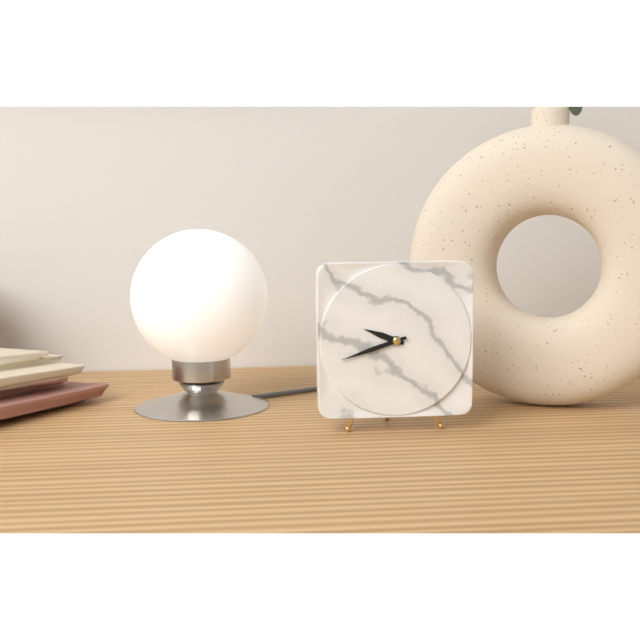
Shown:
9,42
